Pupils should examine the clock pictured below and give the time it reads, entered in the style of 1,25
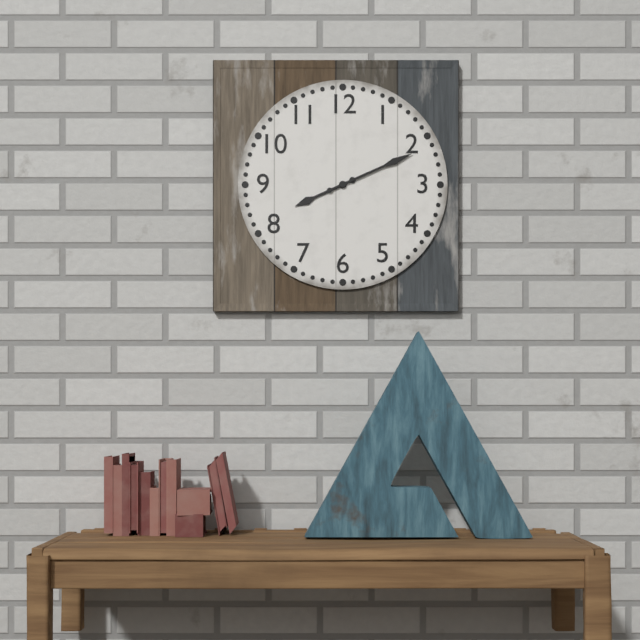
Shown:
8,11
